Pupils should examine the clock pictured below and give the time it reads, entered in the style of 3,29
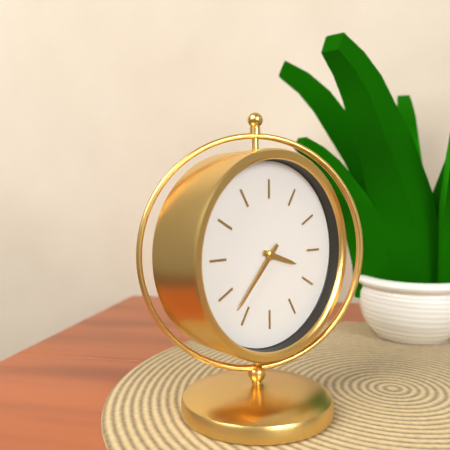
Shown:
3,37
